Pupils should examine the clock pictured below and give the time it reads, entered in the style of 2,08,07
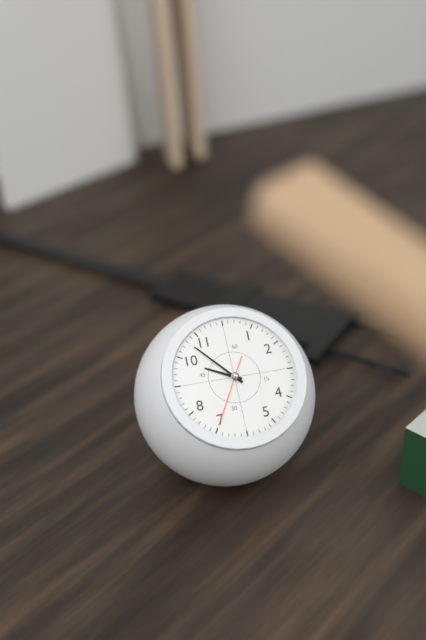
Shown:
9,53,35
